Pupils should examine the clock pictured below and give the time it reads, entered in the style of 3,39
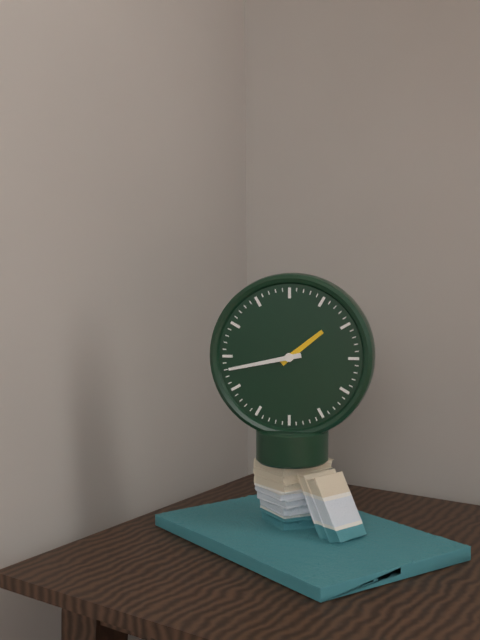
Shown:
1,43
